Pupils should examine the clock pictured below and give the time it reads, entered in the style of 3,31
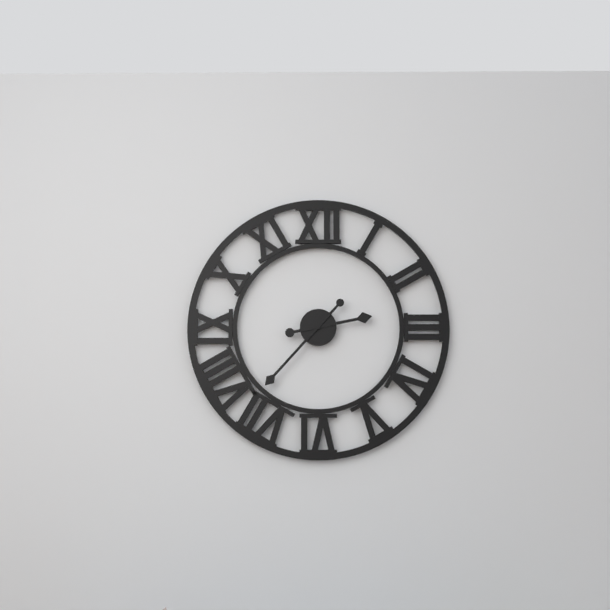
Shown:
2,37
